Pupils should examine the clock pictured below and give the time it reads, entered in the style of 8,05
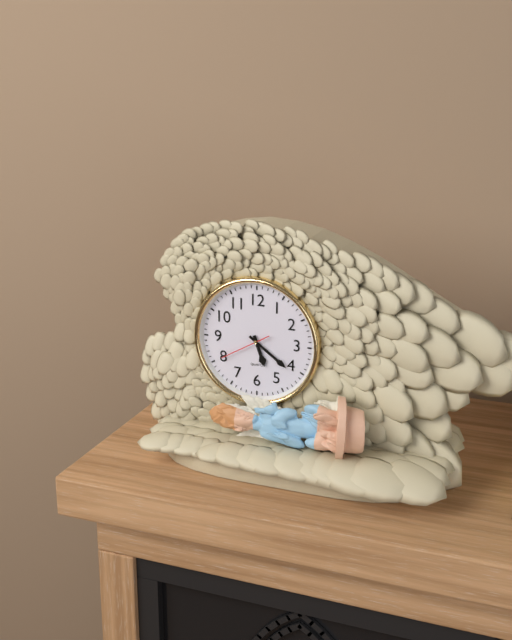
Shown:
5,21
